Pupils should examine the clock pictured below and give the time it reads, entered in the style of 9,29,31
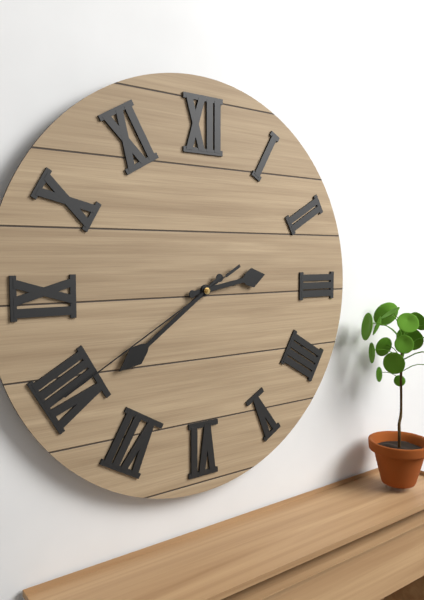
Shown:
2,39,40
